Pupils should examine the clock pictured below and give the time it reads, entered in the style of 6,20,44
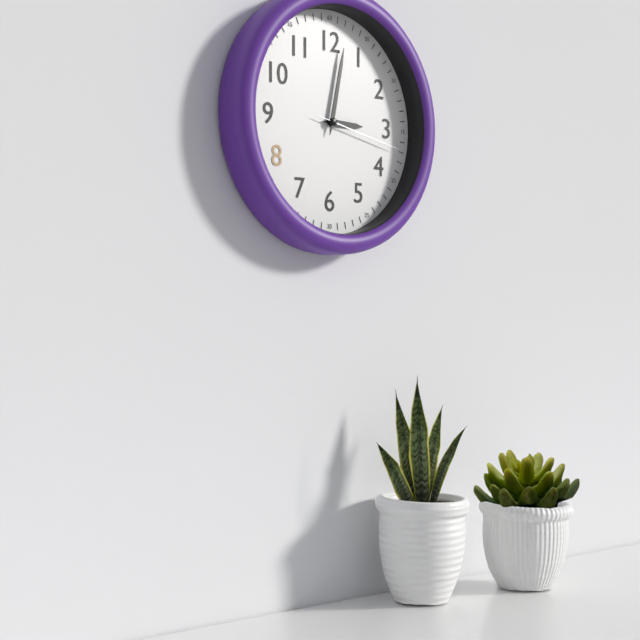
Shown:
3,02,17
